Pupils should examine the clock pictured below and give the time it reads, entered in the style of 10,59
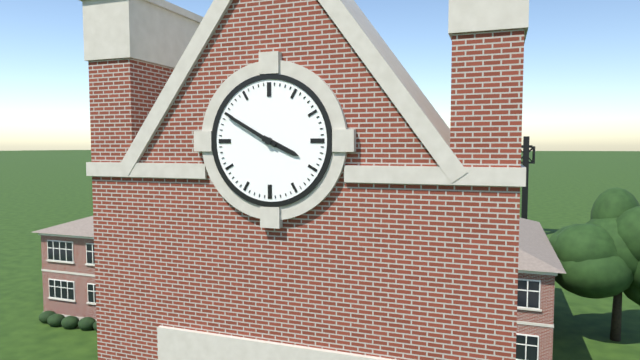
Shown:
3,50
